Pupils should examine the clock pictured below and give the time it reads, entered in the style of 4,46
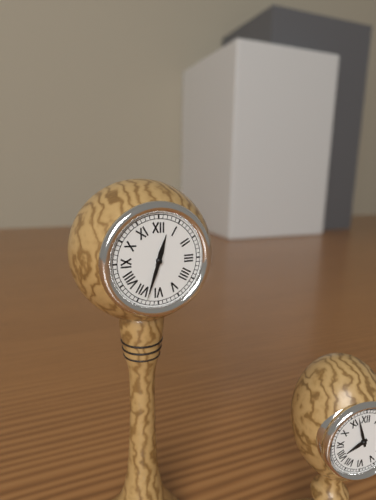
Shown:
12,33
